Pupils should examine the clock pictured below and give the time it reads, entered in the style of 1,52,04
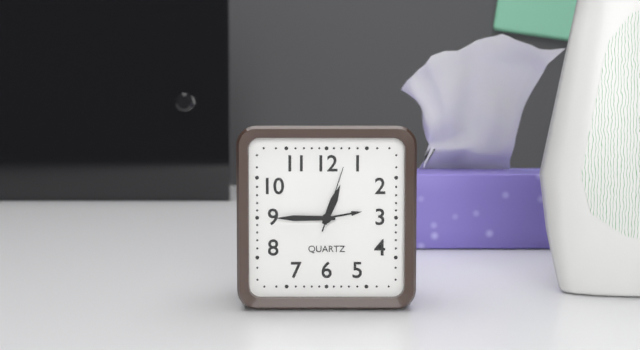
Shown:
12,45,03
